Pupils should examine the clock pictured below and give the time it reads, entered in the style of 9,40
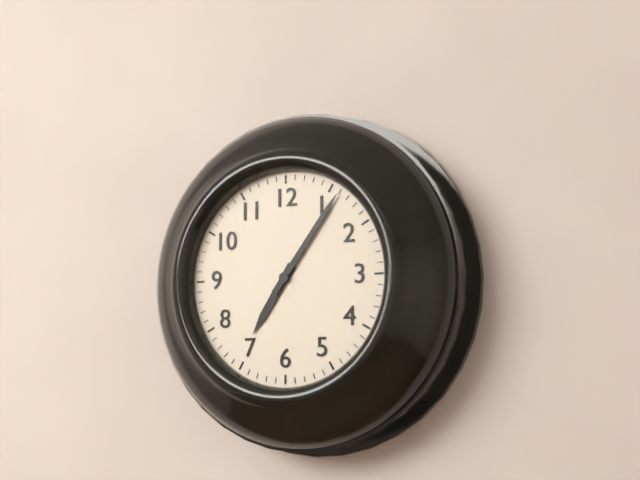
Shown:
7,06
